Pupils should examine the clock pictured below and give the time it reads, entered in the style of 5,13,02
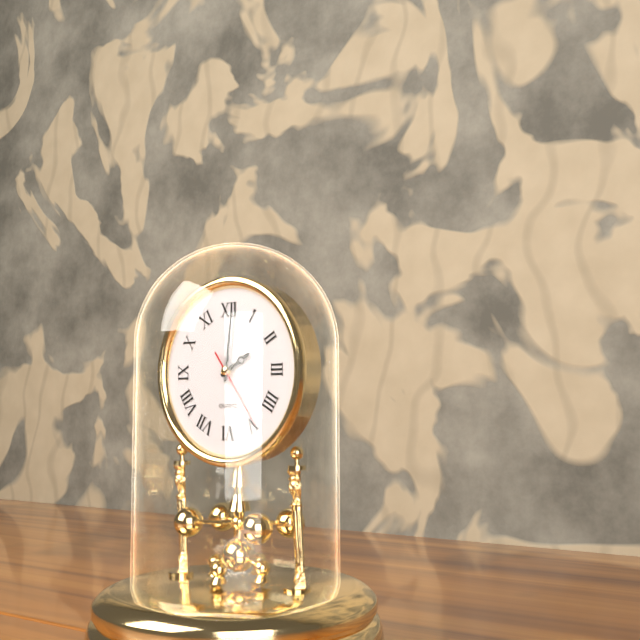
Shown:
2,01,24
